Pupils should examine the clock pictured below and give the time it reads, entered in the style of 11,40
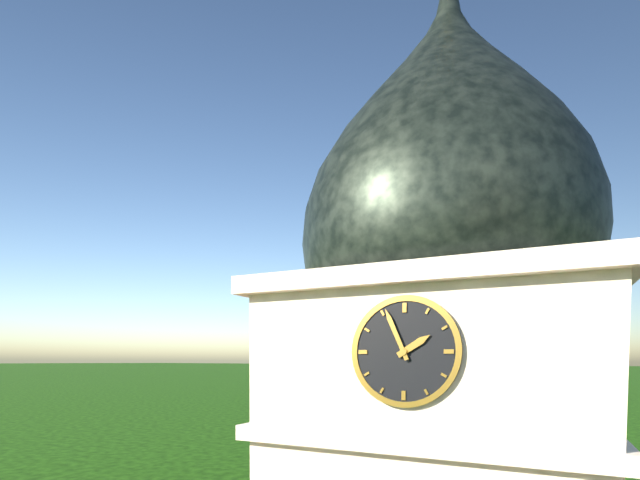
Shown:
1,56
